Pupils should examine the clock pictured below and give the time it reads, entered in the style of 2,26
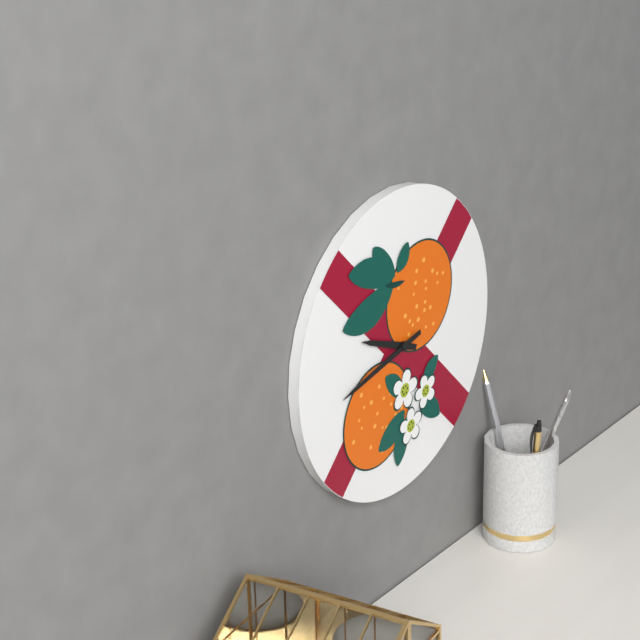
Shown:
9,43
